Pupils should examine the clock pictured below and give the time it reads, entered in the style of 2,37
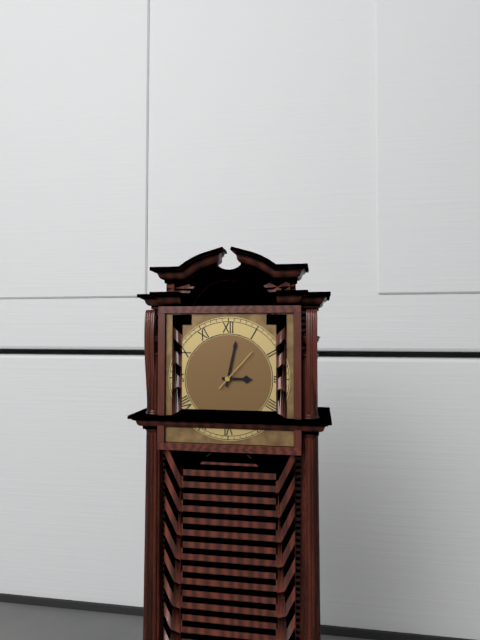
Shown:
3,02
